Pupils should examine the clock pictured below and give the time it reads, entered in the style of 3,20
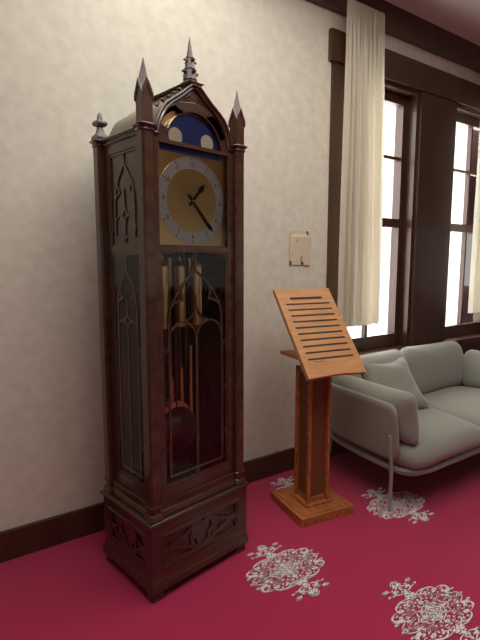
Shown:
1,23
